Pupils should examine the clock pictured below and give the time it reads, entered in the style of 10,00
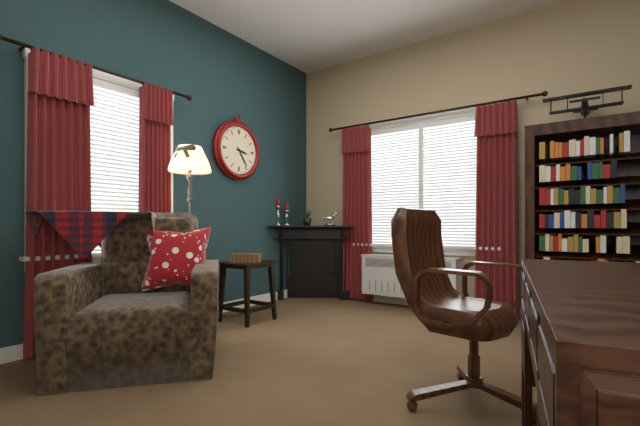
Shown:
3,24
